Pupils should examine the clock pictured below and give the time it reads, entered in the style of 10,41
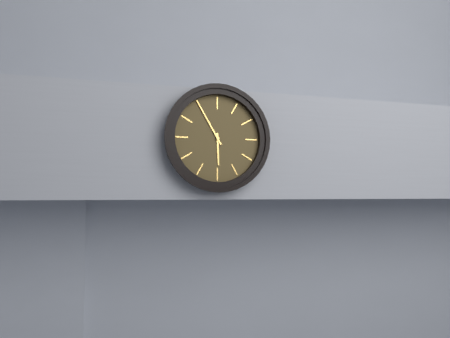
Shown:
5,55
